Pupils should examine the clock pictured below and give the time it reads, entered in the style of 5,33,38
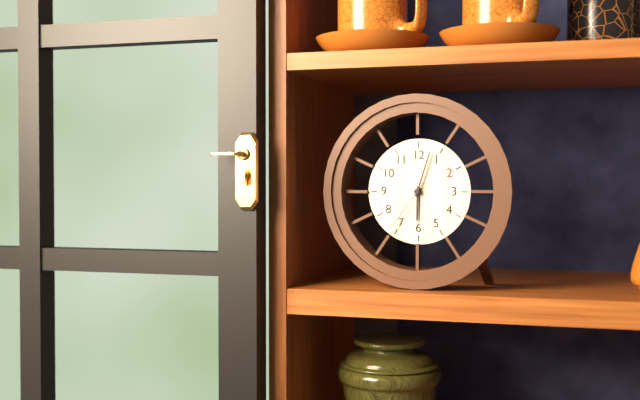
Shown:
6,03,36
